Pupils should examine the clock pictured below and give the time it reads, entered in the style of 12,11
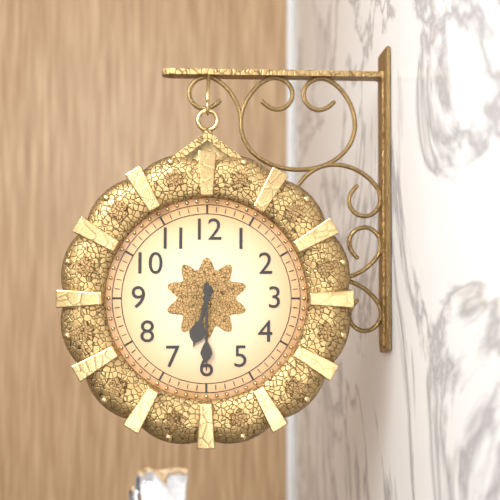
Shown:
6,30
